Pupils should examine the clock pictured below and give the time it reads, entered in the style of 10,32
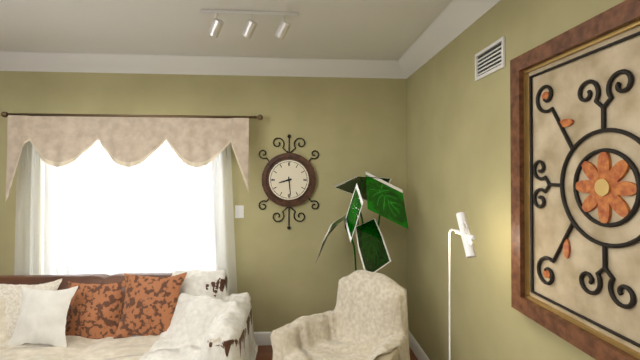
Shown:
8,29
